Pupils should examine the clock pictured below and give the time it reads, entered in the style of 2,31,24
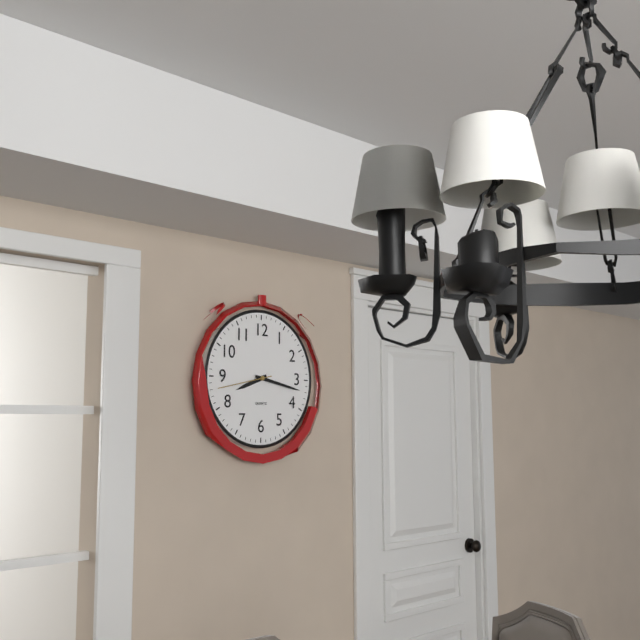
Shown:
8,17,43
